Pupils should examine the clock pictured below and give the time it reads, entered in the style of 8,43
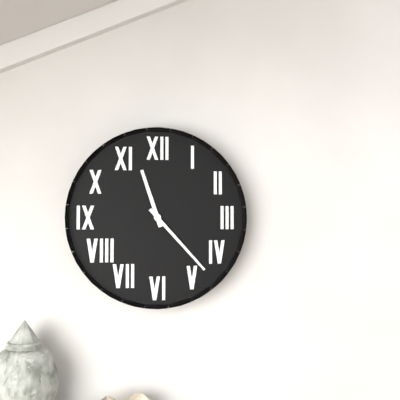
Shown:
11,23
